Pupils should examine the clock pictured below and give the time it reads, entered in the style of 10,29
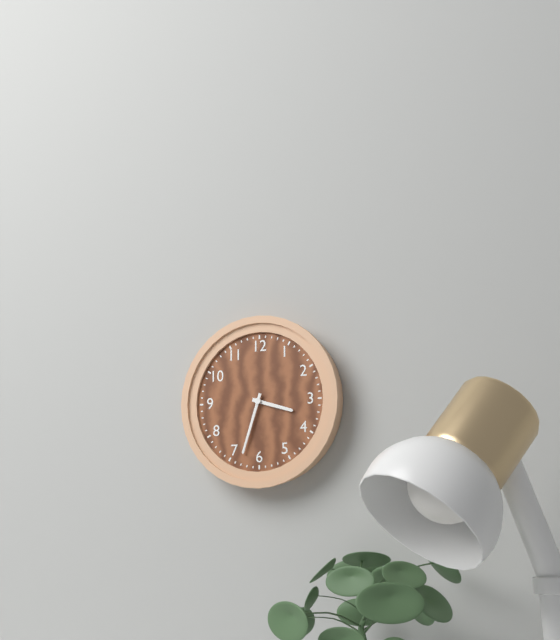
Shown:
3,33
